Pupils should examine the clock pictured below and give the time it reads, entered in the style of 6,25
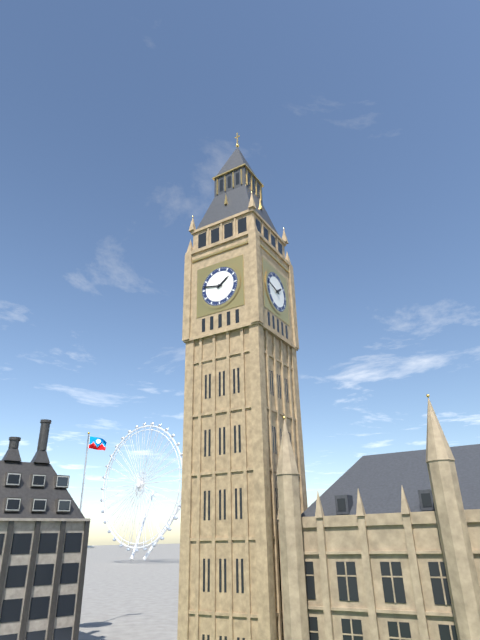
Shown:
1,47
